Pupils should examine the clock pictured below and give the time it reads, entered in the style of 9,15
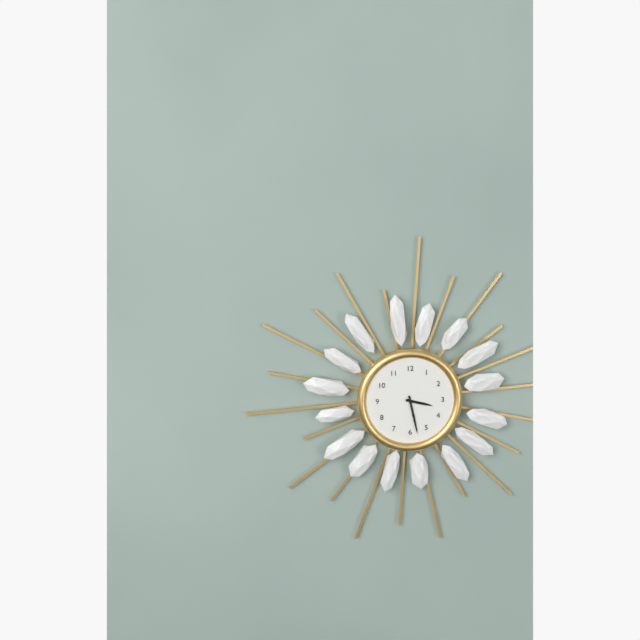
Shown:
3,28
